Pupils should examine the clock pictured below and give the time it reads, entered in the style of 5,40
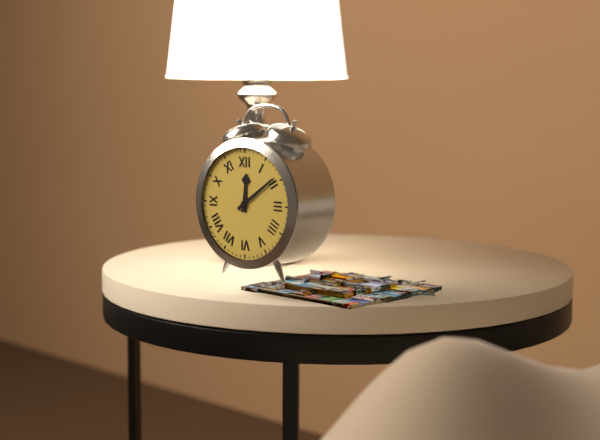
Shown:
12,09
